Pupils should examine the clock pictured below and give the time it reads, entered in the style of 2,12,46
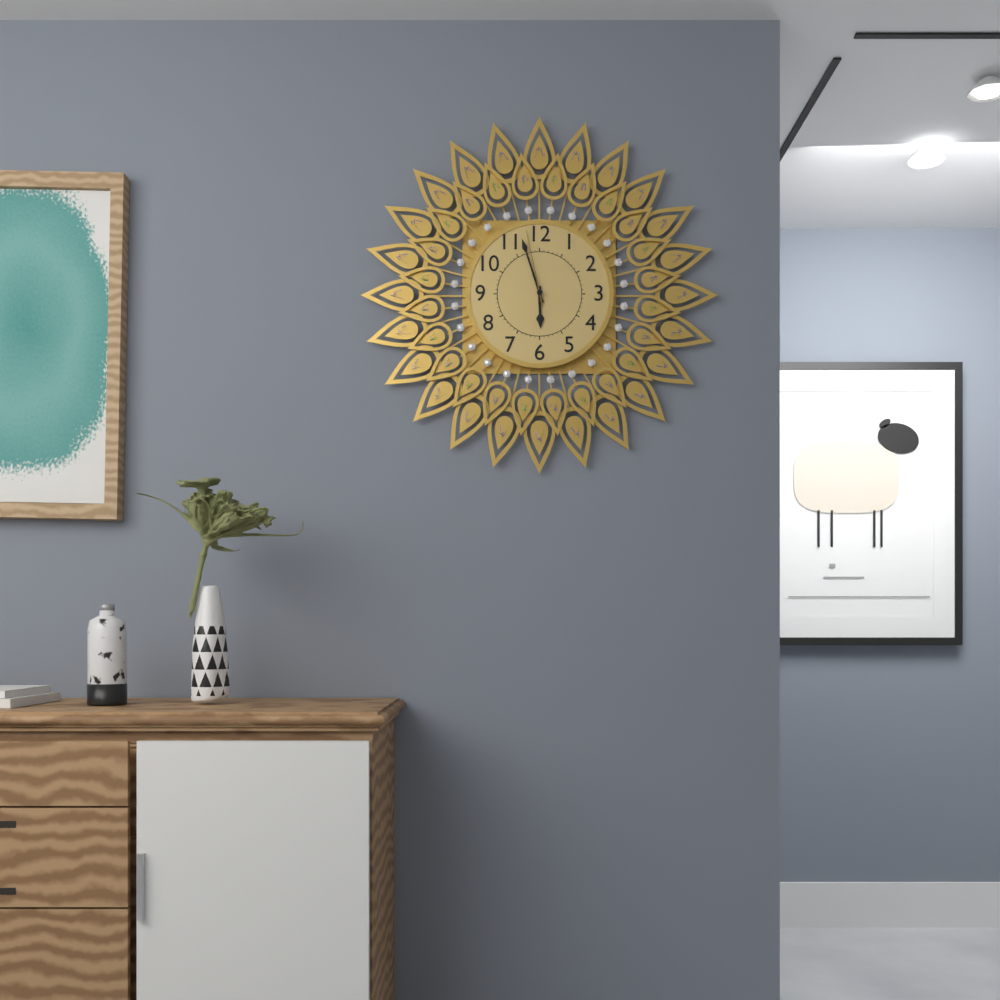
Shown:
5,57,58
